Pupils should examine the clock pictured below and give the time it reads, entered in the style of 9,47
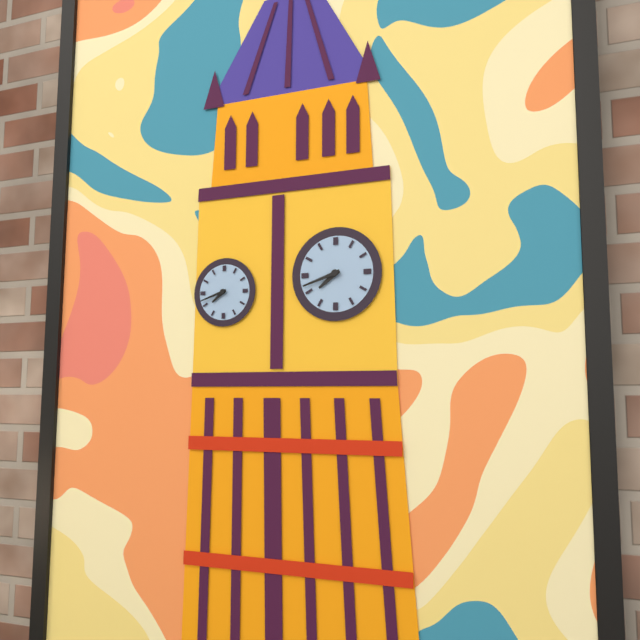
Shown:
7,42
